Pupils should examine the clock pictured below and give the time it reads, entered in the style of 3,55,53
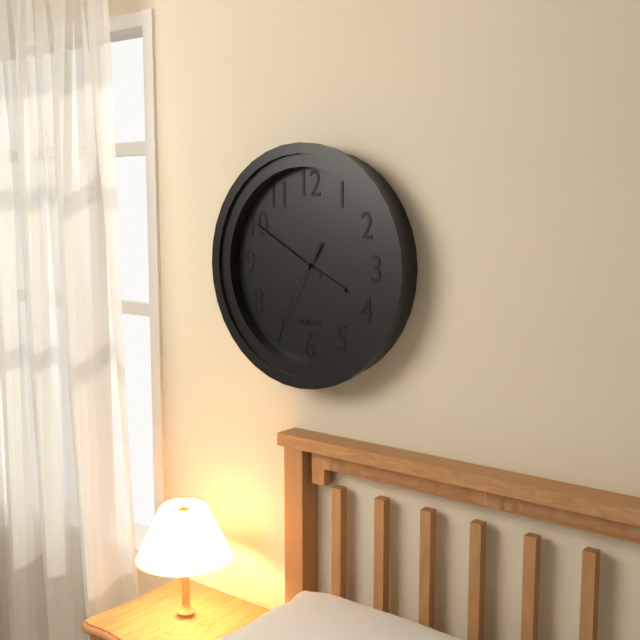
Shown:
3,50,35
